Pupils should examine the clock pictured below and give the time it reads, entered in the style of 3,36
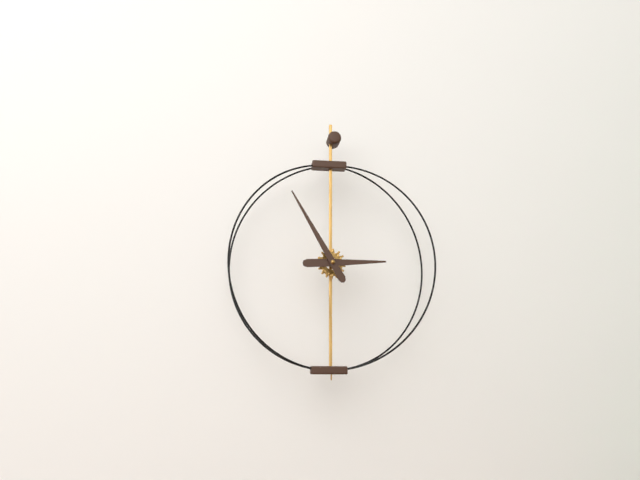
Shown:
2,55
